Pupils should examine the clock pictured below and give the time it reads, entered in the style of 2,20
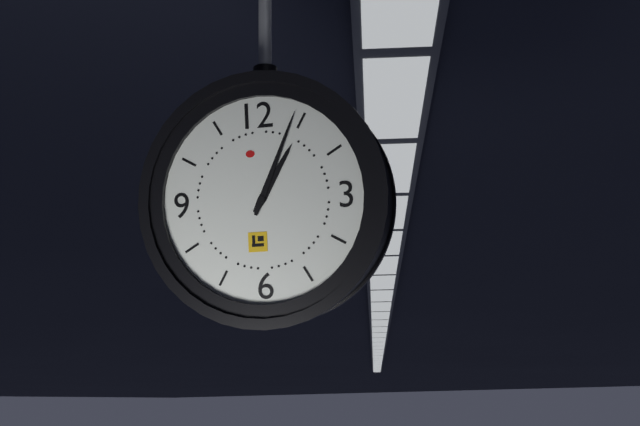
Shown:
1,04
